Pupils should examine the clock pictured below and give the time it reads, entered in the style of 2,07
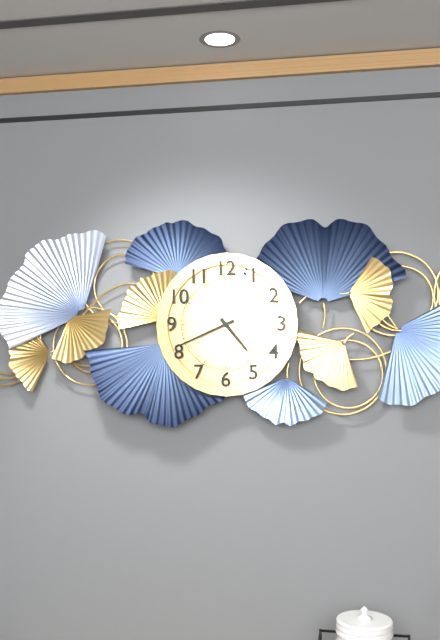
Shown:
4,41
